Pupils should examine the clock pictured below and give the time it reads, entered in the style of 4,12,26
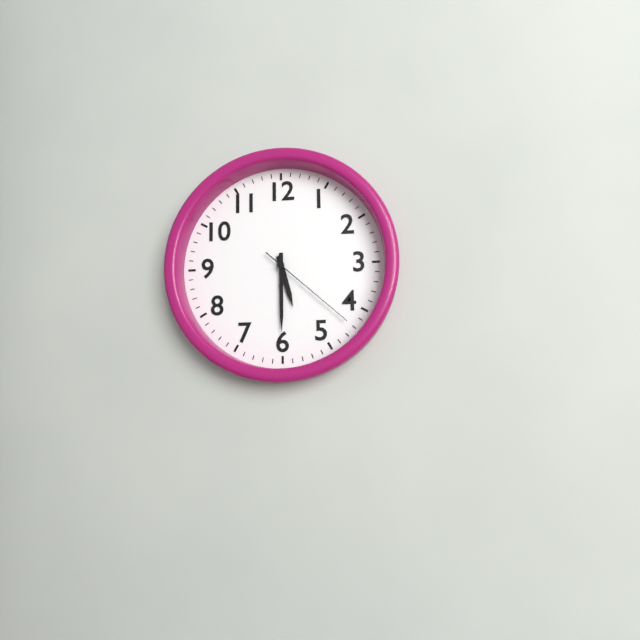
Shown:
5,30,22
